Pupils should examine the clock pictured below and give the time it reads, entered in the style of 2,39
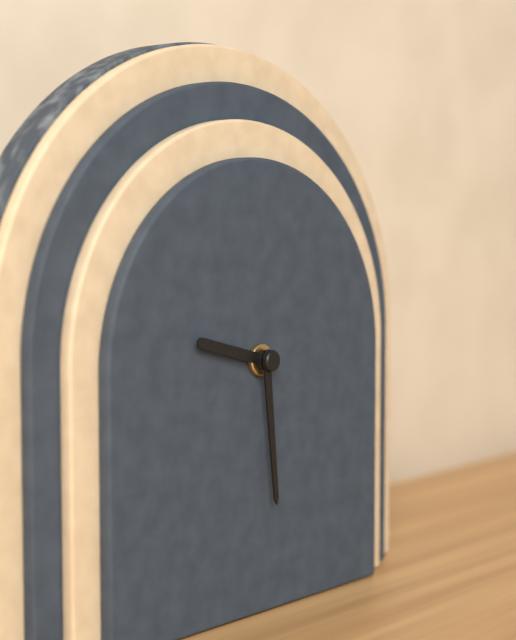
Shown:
9,29
